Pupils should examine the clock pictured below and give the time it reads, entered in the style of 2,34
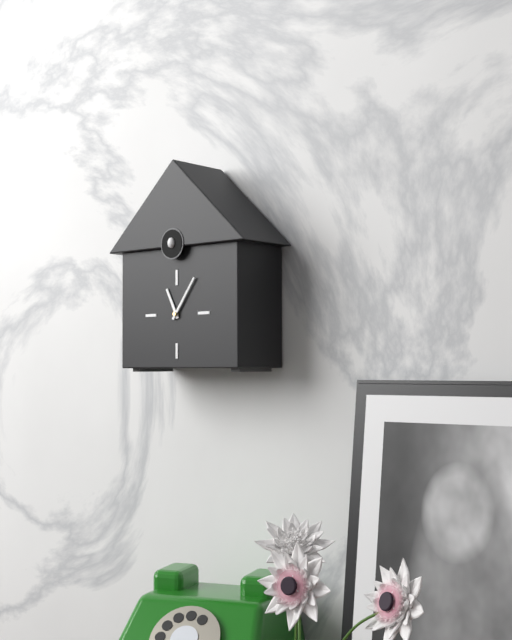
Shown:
11,06
